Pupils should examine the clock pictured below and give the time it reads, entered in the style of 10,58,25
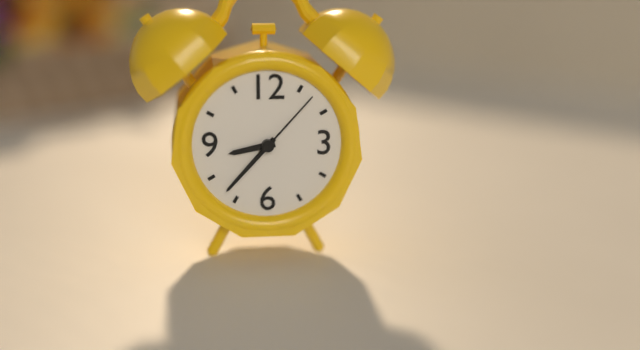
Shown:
8,37,07
